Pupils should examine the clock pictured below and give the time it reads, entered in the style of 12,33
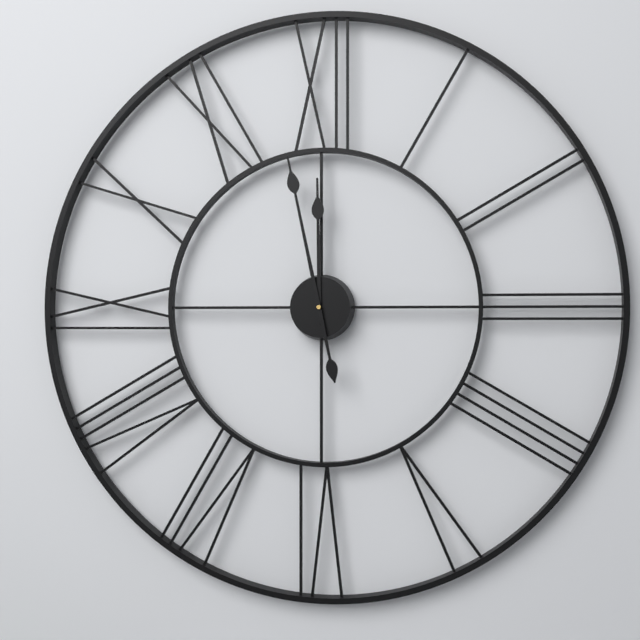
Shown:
11,58
